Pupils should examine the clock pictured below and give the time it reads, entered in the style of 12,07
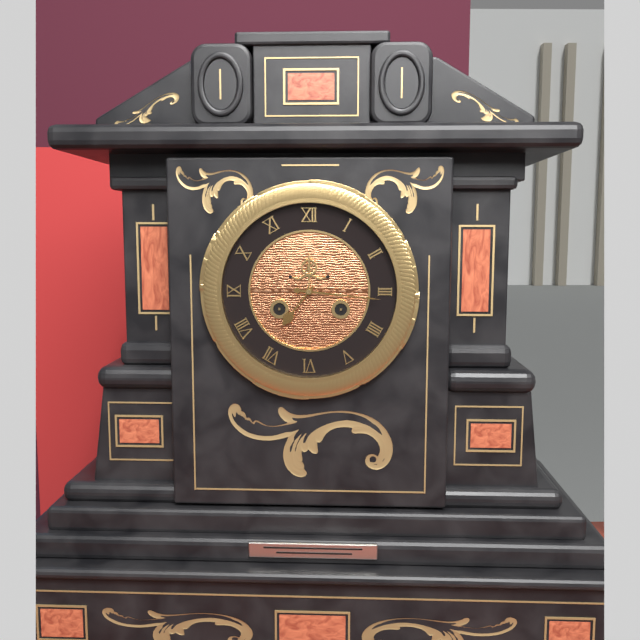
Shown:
7,16
